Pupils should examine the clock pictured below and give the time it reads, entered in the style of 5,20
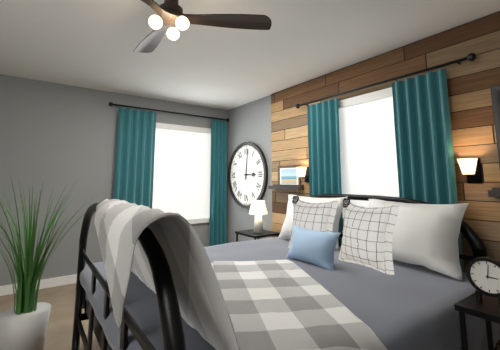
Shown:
3,01
